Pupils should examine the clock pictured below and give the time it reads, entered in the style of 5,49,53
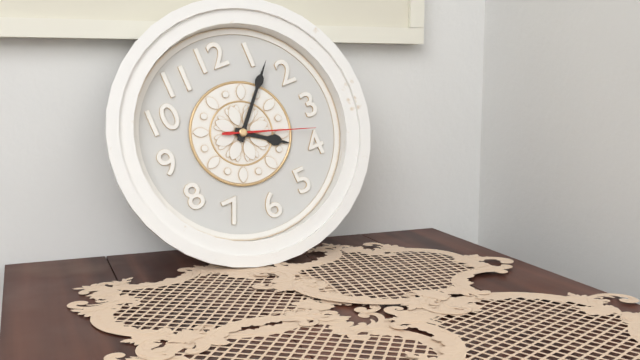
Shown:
4,07,18
